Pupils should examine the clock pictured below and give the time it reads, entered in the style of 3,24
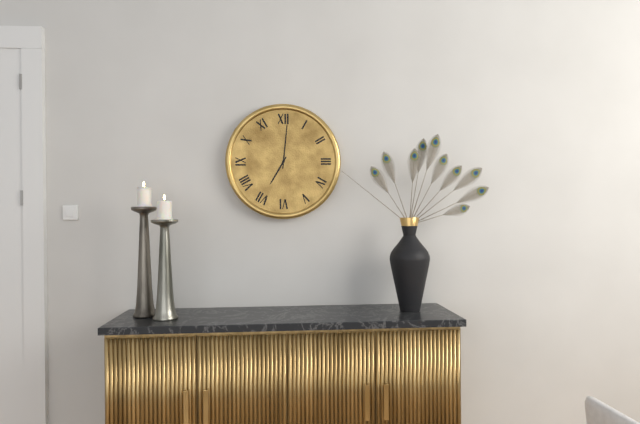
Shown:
7,01
